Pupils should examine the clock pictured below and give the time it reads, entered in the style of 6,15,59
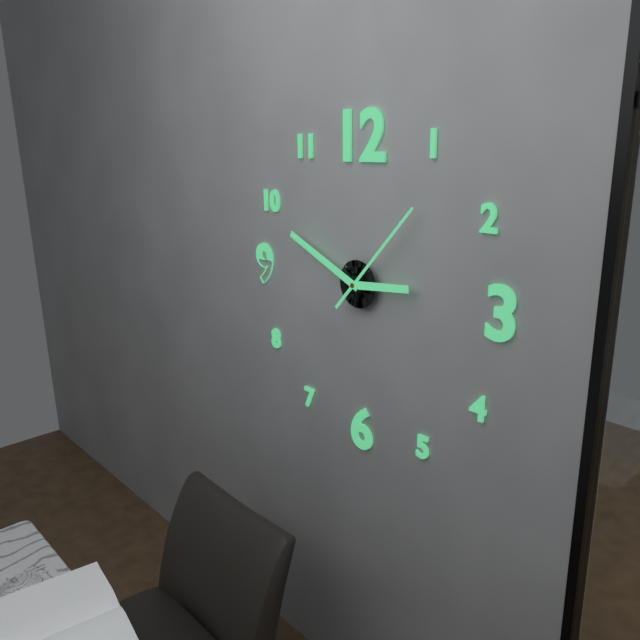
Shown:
2,49,07
